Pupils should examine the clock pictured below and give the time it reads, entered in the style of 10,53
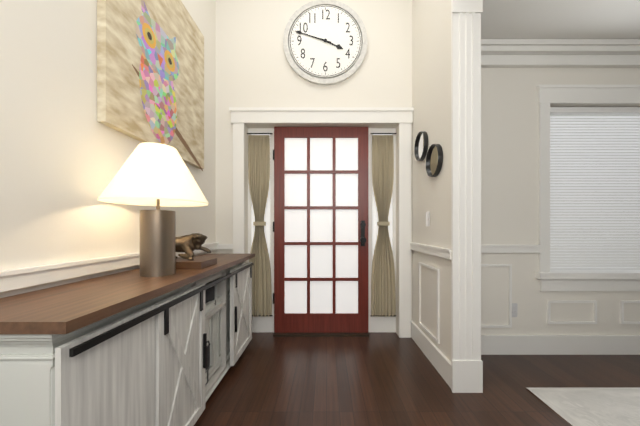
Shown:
3,48
